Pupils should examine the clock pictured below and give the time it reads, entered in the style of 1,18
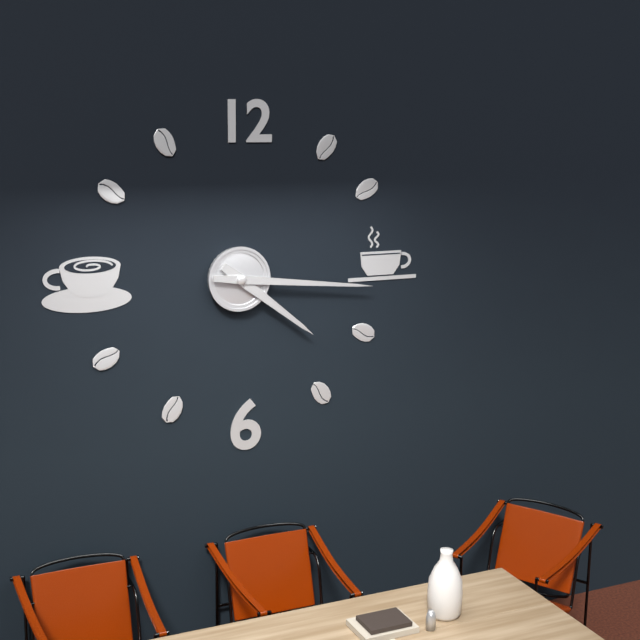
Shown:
4,16
